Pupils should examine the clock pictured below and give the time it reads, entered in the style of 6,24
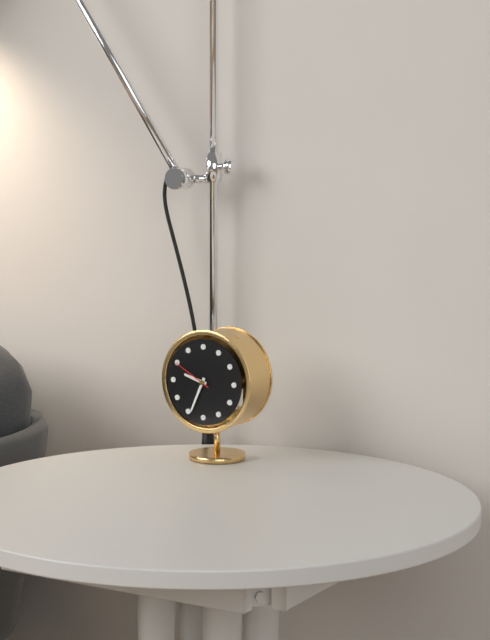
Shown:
9,34
